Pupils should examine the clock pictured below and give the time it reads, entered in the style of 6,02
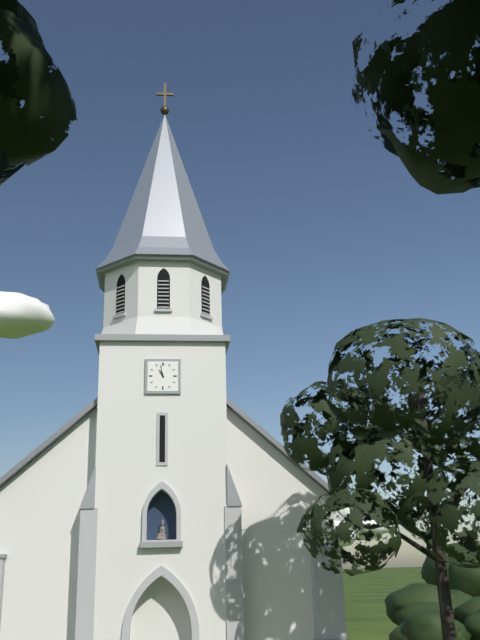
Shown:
10,58
